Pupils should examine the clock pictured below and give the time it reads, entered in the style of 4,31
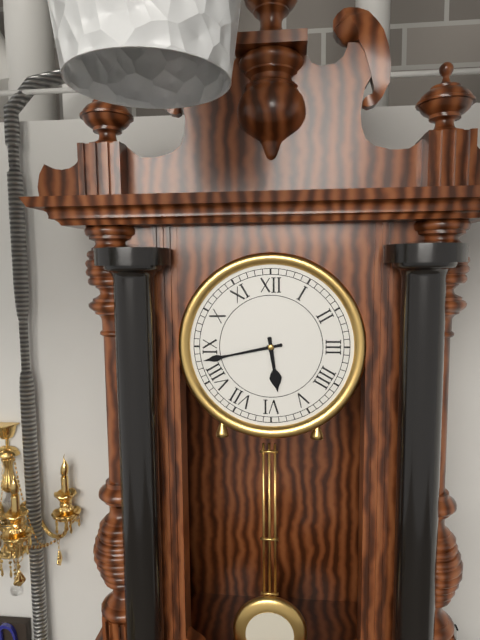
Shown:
5,43
